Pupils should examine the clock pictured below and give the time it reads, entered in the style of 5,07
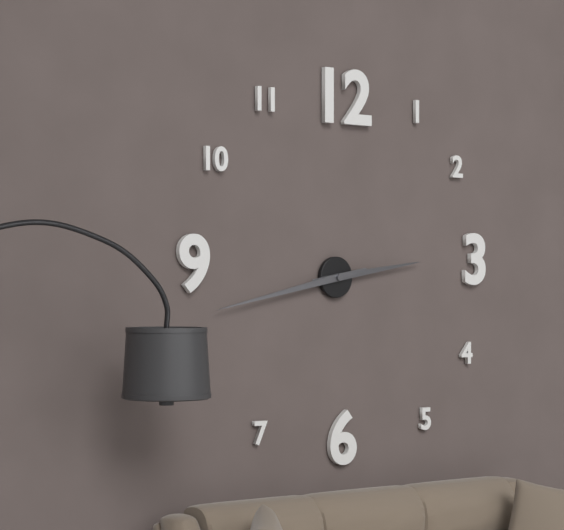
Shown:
2,43
